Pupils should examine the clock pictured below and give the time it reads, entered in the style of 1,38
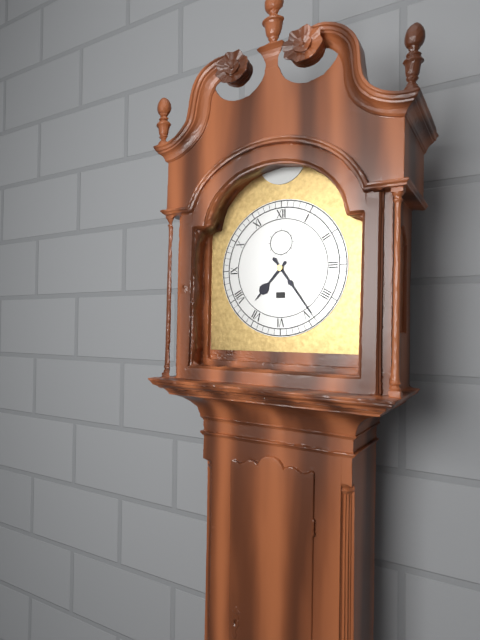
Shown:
7,24
